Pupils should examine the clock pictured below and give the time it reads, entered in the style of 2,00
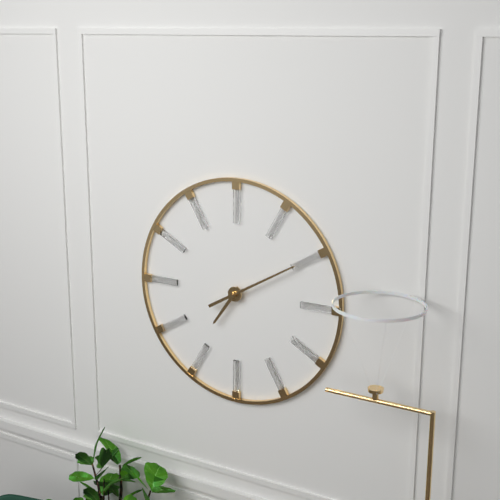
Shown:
7,10
